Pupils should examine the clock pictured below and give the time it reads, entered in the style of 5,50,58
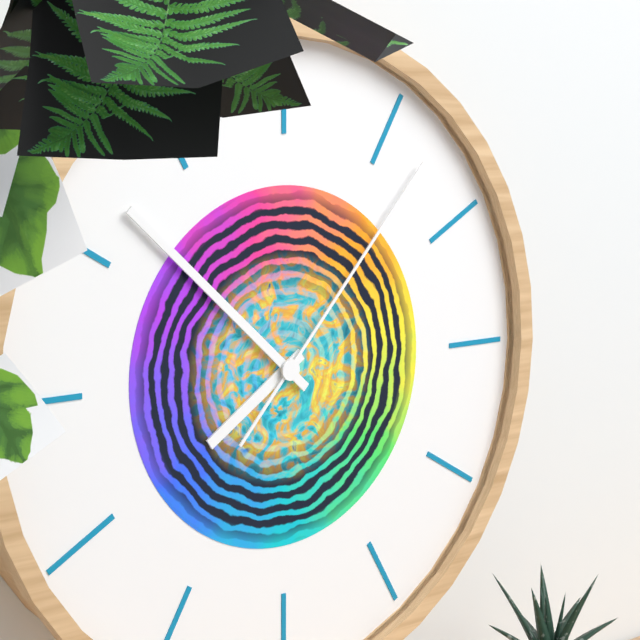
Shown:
7,52,07
